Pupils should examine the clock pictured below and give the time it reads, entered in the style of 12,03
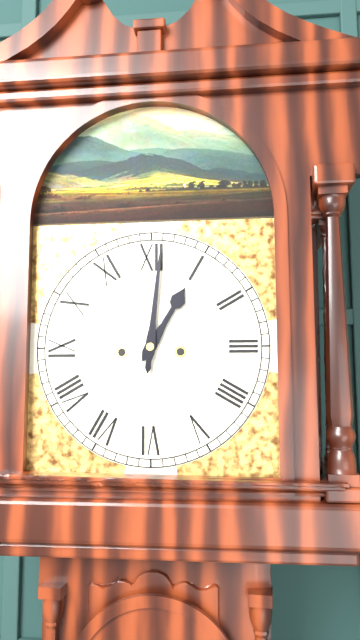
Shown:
1,01
